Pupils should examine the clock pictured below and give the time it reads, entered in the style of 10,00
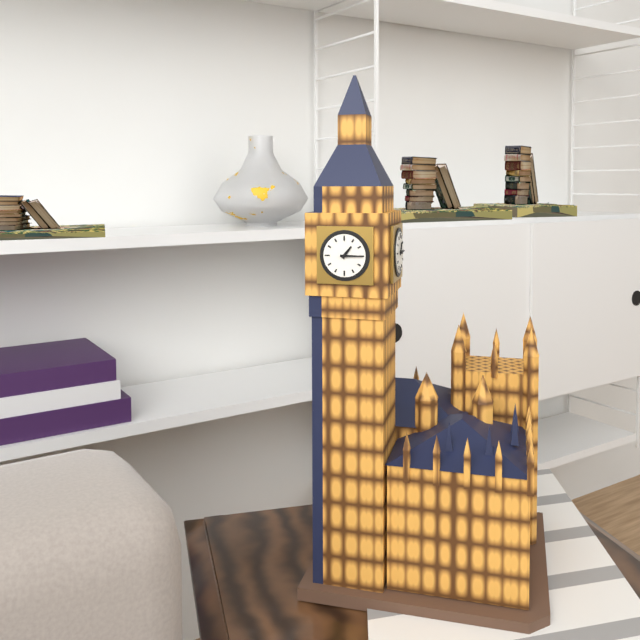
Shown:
1,15
